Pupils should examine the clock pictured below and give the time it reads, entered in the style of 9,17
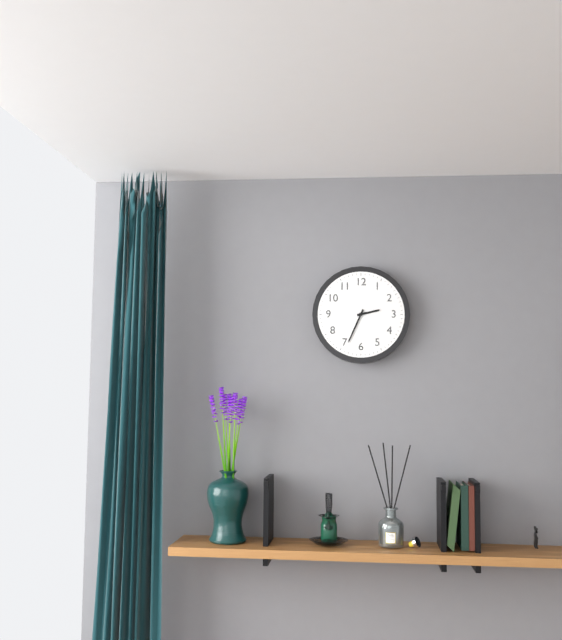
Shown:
2,34
